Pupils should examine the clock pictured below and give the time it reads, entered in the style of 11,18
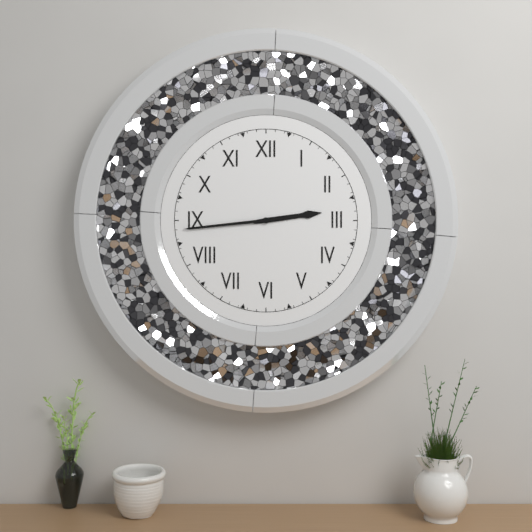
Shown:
2,44
